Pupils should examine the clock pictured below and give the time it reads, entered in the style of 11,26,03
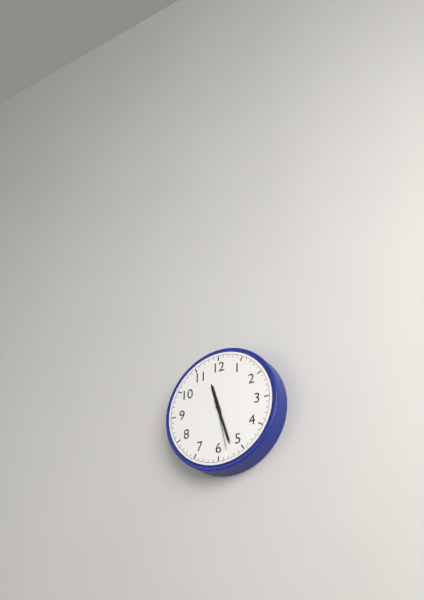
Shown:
11,27,28
